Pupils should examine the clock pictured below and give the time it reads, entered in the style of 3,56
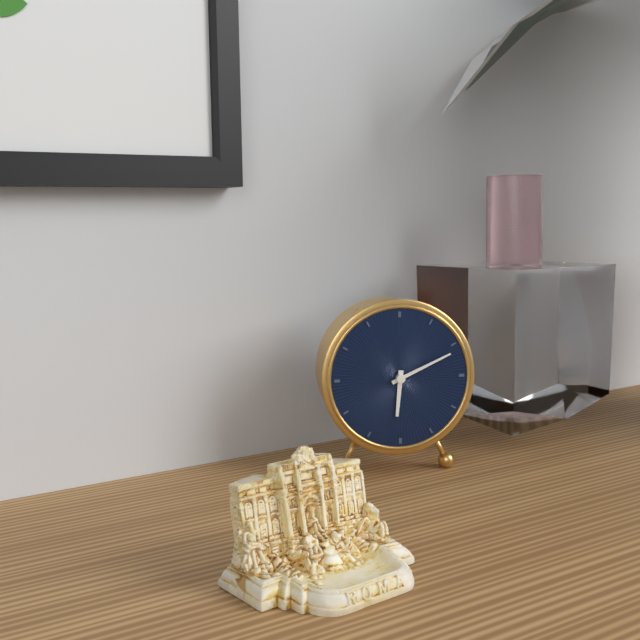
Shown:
6,11
